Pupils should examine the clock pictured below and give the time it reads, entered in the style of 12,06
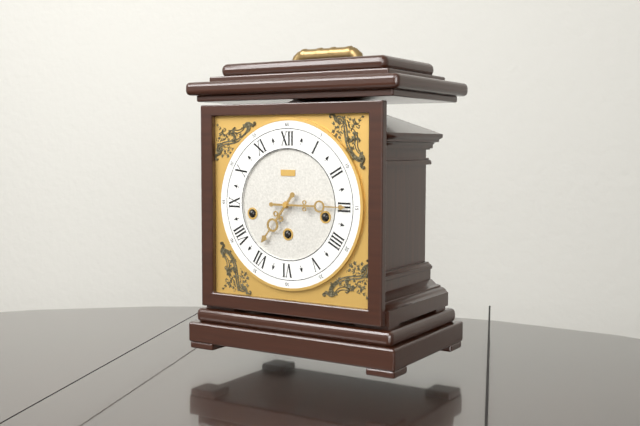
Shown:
7,15
